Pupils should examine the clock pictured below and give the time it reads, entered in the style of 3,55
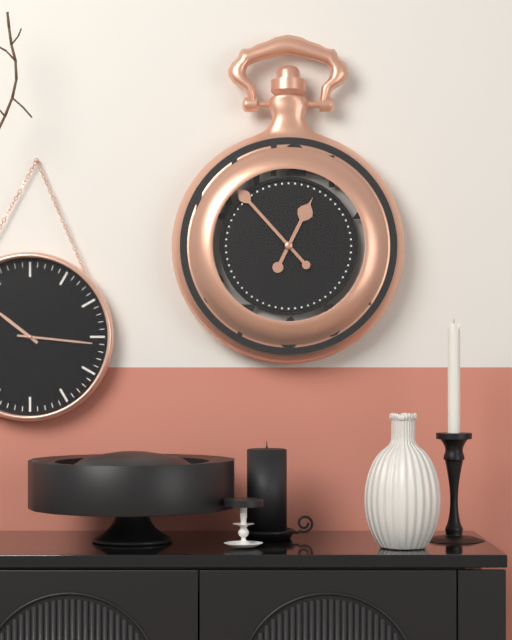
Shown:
12,53
